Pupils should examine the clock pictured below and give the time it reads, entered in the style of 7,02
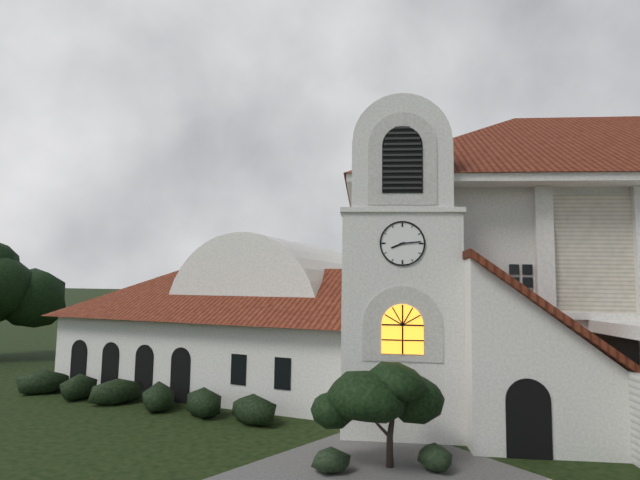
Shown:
8,14
